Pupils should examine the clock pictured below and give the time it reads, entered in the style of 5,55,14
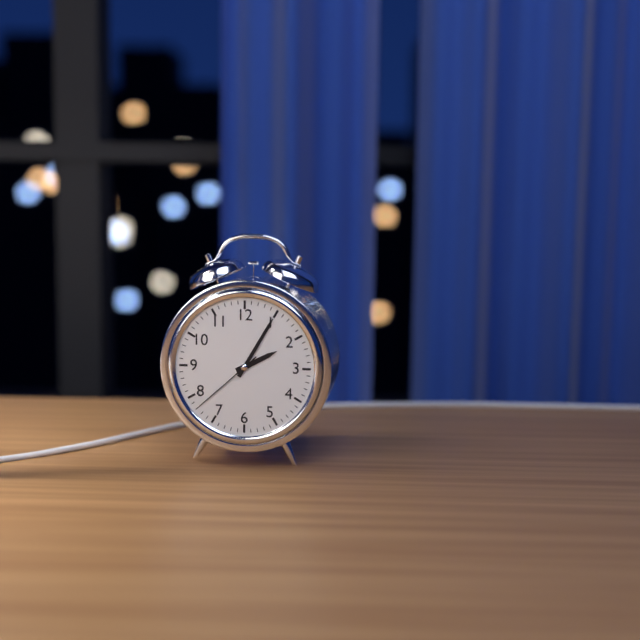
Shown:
2,05,38
